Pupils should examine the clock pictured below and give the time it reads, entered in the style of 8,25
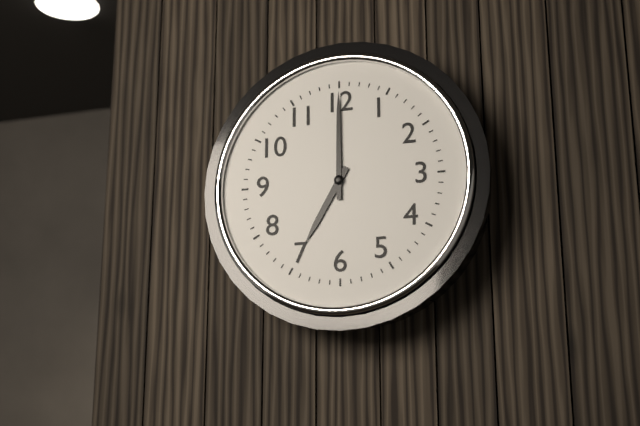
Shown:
7,00
